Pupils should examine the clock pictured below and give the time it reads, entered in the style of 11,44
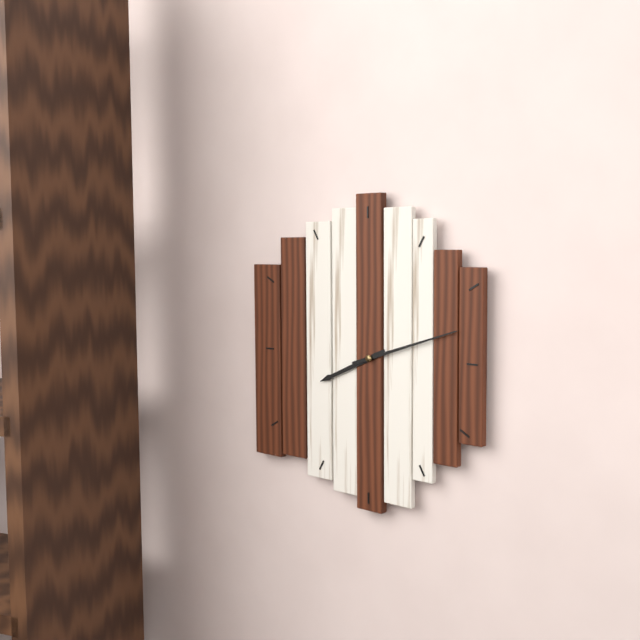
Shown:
8,12
